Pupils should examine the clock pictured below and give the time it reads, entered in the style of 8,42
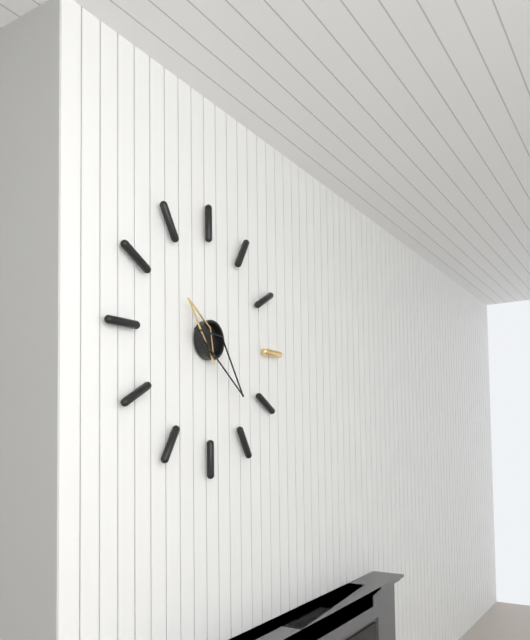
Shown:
10,23
